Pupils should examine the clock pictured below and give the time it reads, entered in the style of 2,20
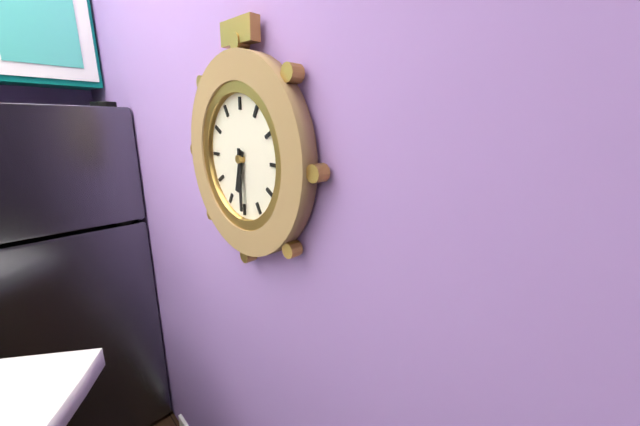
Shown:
6,30
